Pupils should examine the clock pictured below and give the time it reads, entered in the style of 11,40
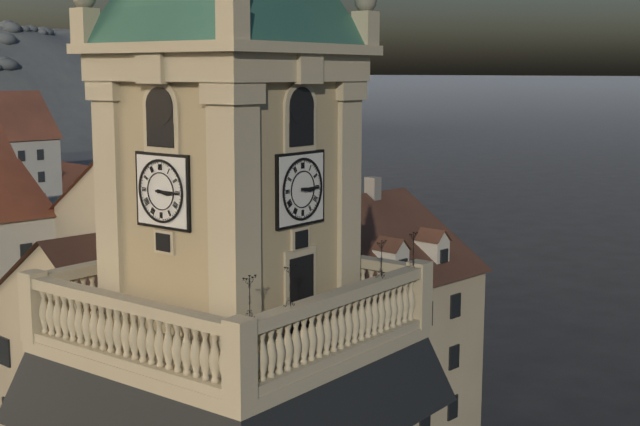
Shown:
3,15
